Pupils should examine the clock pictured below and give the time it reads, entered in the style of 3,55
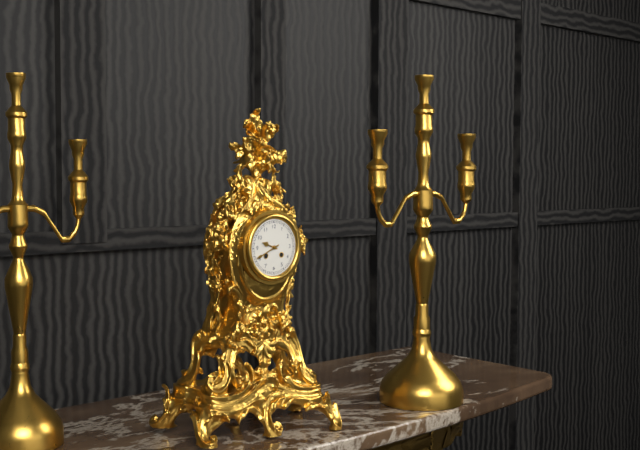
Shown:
9,41
